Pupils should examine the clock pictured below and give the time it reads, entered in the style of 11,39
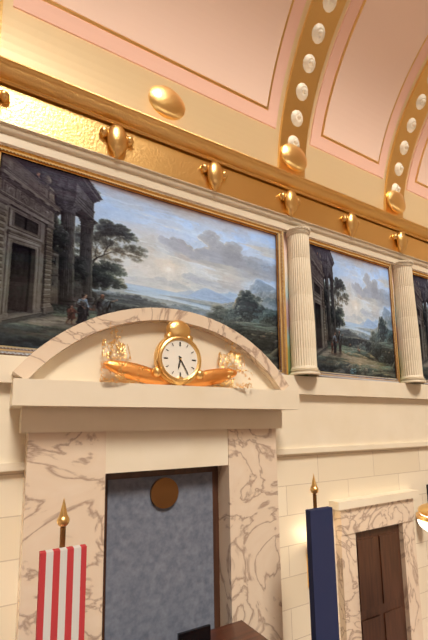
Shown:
6,25
